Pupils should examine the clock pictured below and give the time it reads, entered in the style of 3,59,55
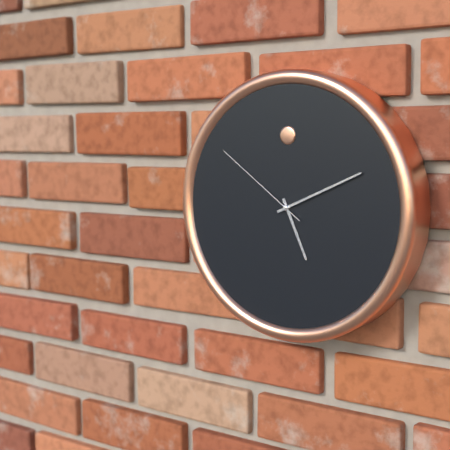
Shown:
5,11,51
